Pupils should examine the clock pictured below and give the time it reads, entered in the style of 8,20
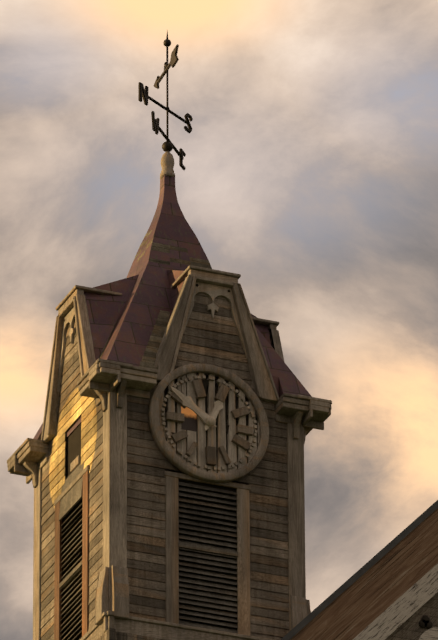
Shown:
12,51
